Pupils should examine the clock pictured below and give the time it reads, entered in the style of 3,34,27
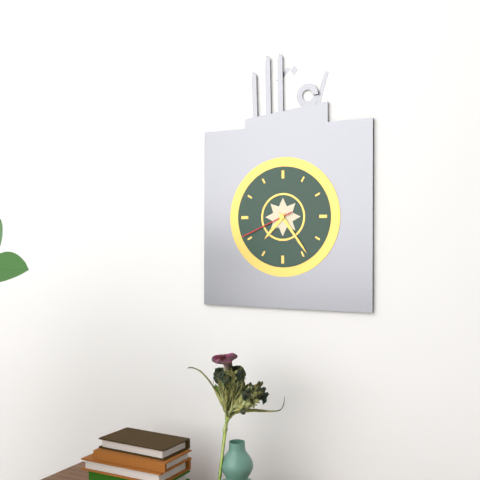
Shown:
7,24,41
